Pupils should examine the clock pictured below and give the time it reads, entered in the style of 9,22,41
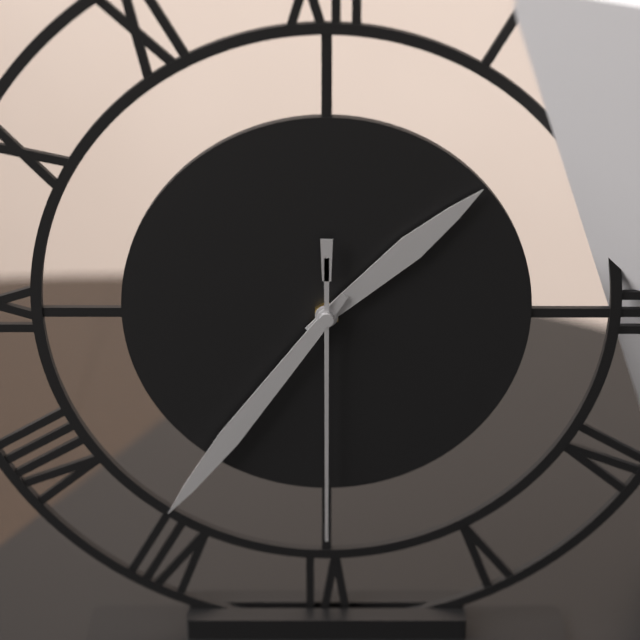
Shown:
1,36,30
